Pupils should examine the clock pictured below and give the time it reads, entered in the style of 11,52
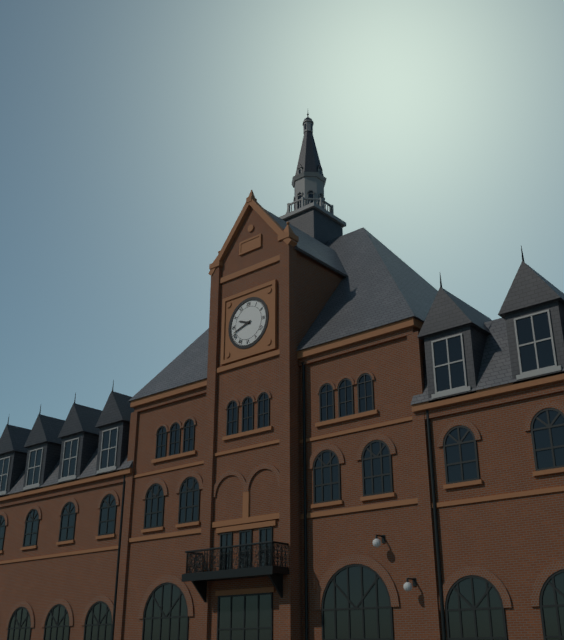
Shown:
9,42
